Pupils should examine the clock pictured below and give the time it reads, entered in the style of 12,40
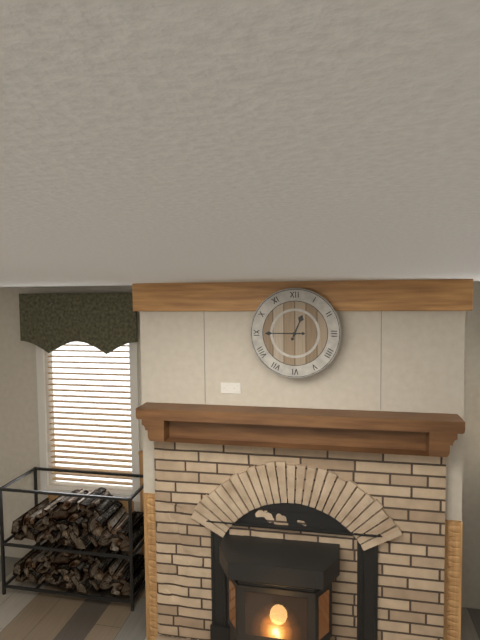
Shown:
12,45
